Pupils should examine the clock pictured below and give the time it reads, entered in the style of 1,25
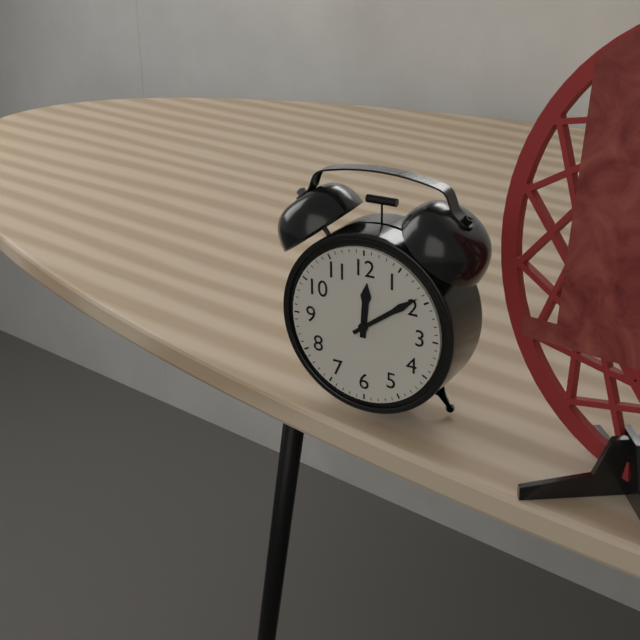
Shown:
12,09
